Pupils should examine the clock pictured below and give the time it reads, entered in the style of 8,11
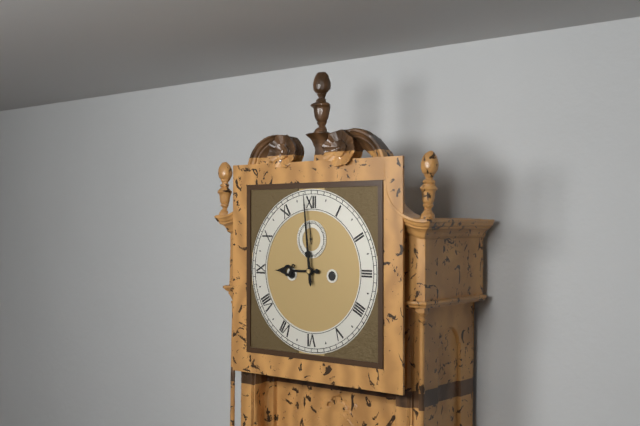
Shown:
8,59
